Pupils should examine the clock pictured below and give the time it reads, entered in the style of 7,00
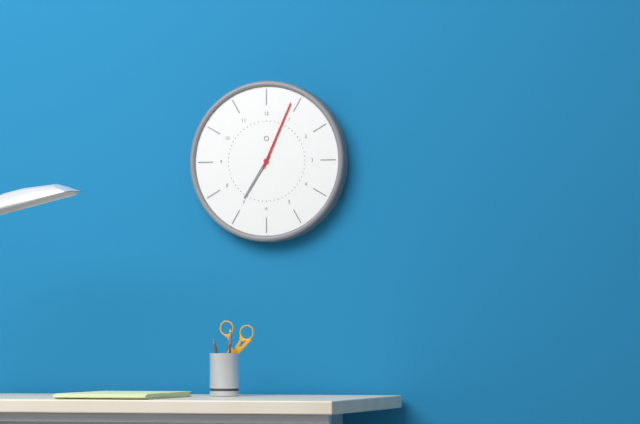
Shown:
7,04
